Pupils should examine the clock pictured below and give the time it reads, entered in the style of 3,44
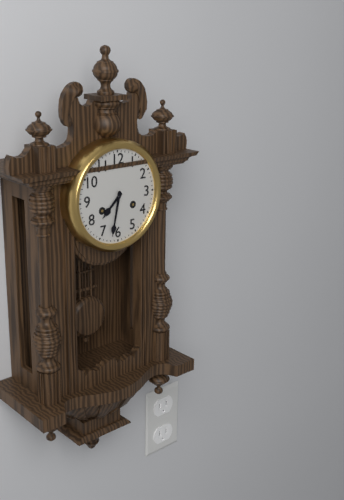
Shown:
7,32
